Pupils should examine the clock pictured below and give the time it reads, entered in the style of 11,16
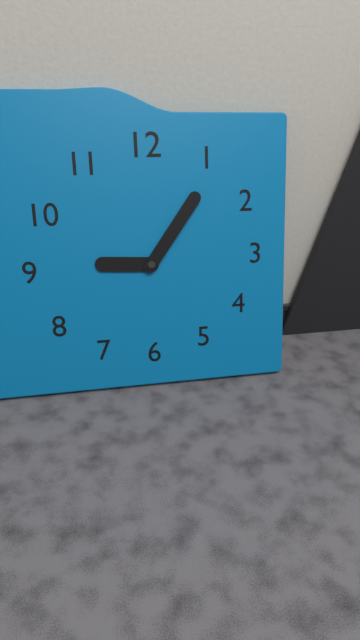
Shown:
9,06
